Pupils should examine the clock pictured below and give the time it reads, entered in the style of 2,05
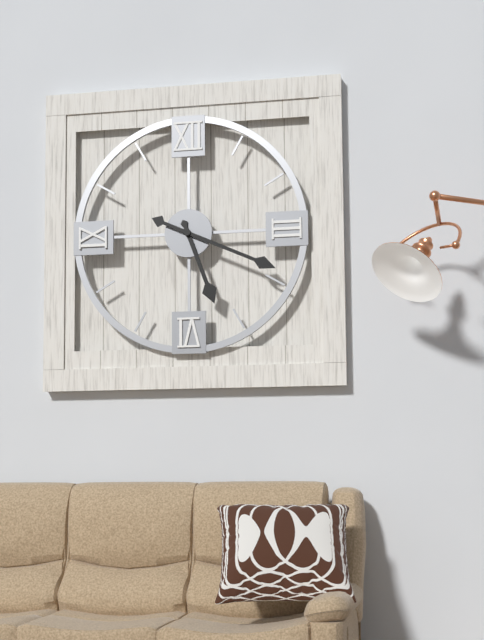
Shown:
5,19
